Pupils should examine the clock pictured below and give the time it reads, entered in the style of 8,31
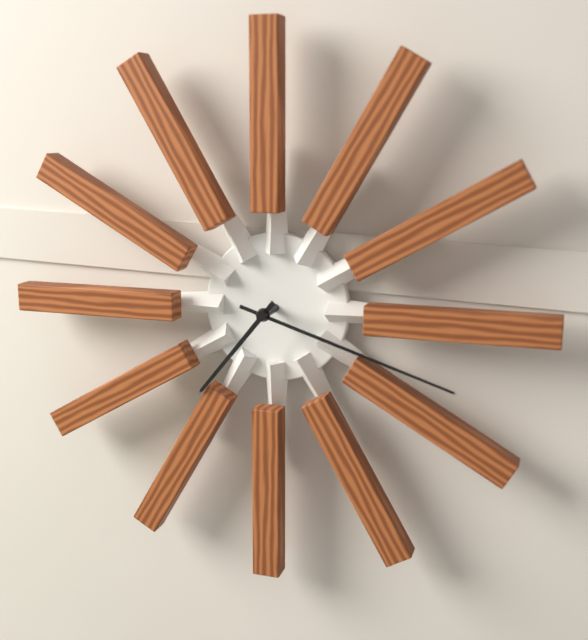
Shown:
7,18
